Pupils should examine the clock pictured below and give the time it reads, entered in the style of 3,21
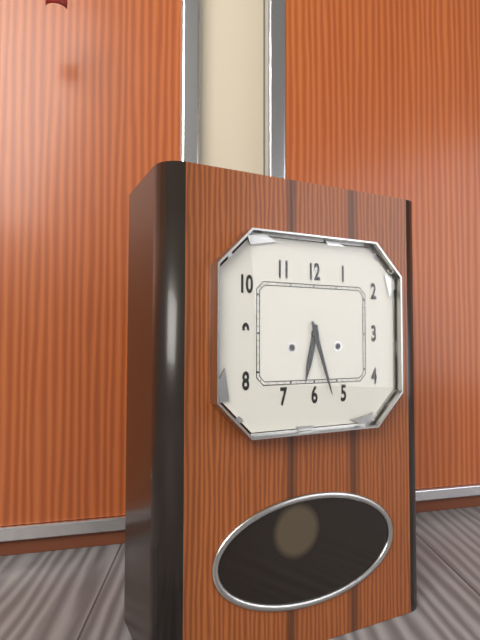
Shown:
6,27
